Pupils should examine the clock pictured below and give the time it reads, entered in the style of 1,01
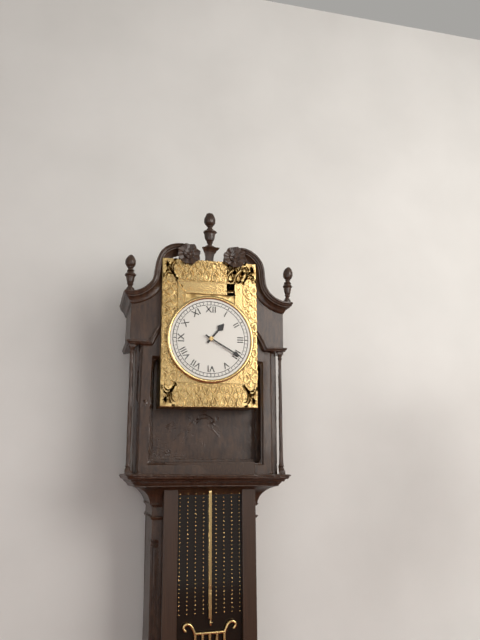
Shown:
1,20
